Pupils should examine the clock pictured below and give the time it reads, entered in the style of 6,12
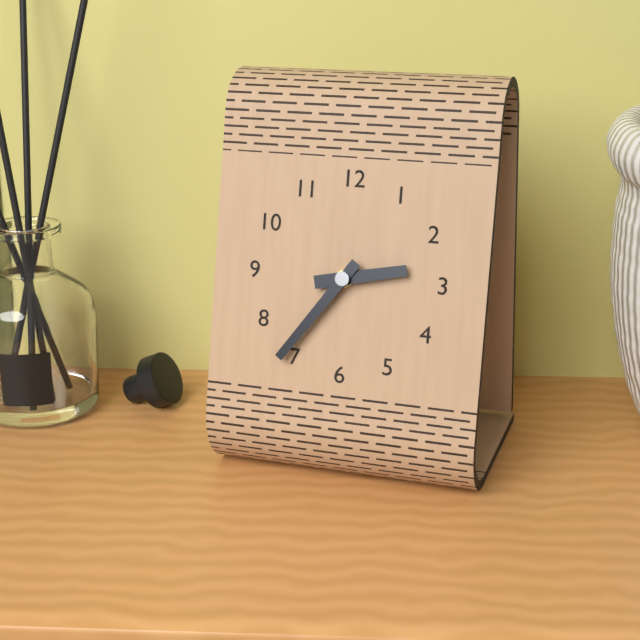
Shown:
2,36
